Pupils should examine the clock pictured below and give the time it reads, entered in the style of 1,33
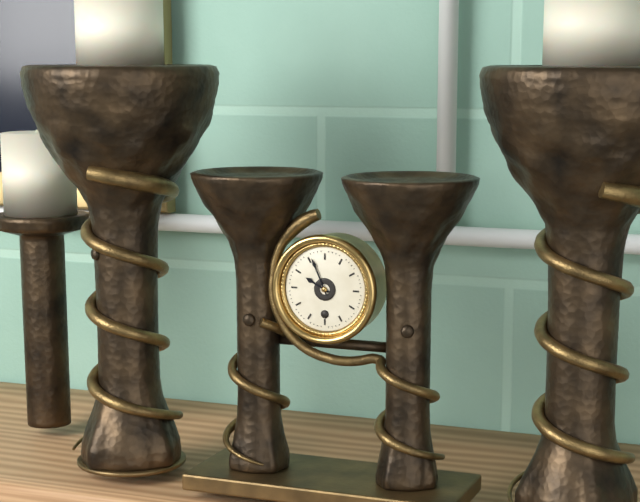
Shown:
9,56
